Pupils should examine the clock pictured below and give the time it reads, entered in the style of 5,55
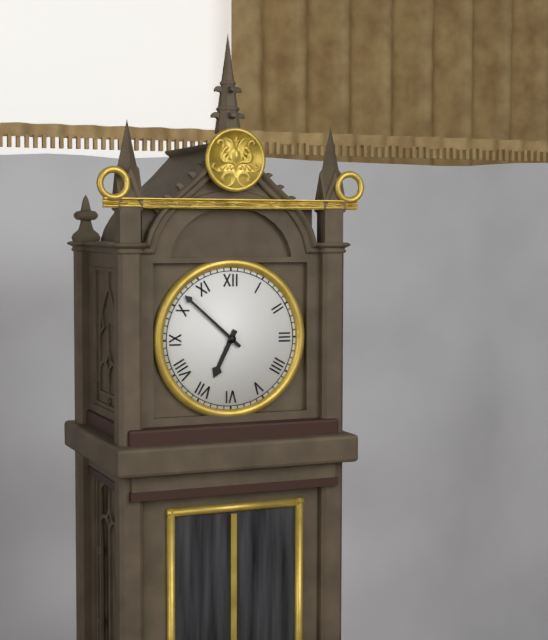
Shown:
6,52
